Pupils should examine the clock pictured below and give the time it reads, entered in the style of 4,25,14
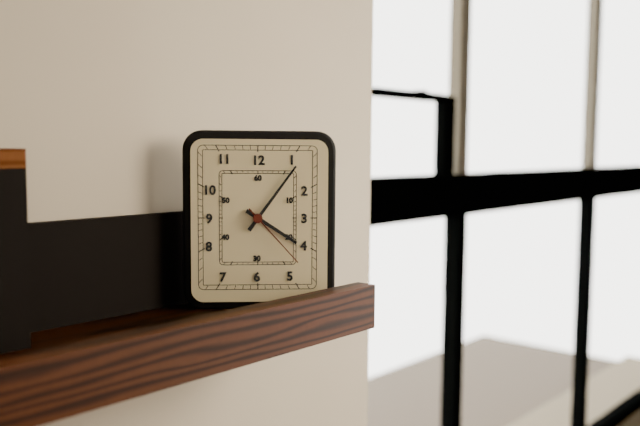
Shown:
4,06,23
